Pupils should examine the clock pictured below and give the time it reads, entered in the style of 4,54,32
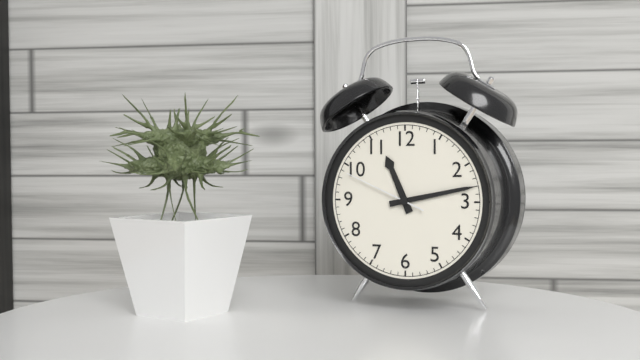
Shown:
11,13,49
